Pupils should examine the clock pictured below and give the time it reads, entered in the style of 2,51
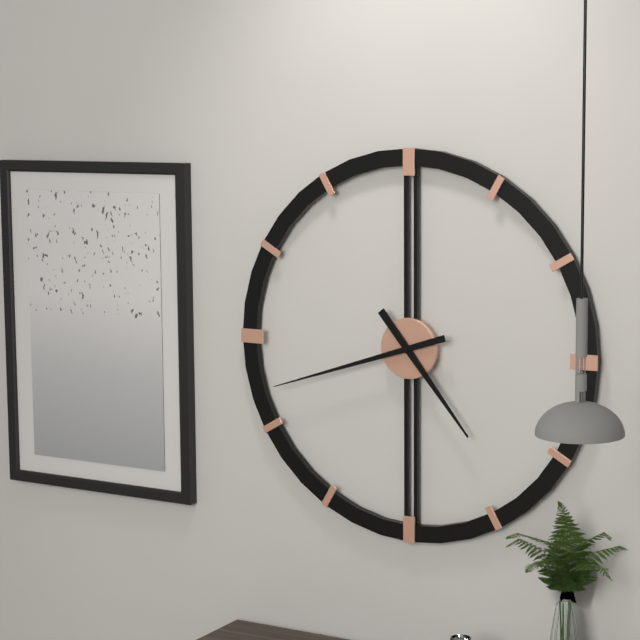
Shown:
4,42
